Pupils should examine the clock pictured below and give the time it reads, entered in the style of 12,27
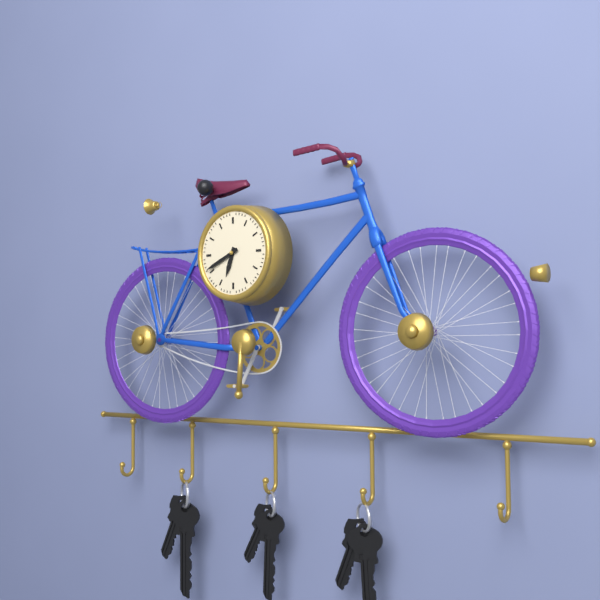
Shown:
6,41
